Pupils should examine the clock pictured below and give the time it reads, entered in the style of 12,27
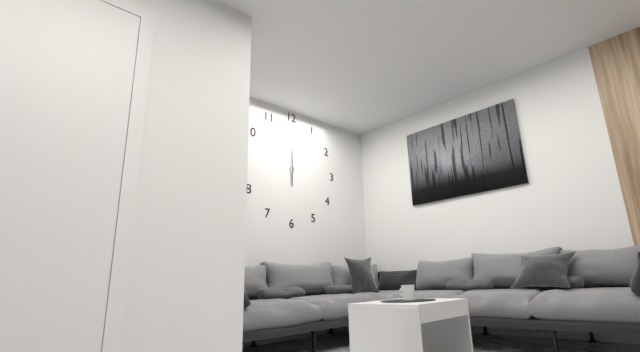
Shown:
6,00
